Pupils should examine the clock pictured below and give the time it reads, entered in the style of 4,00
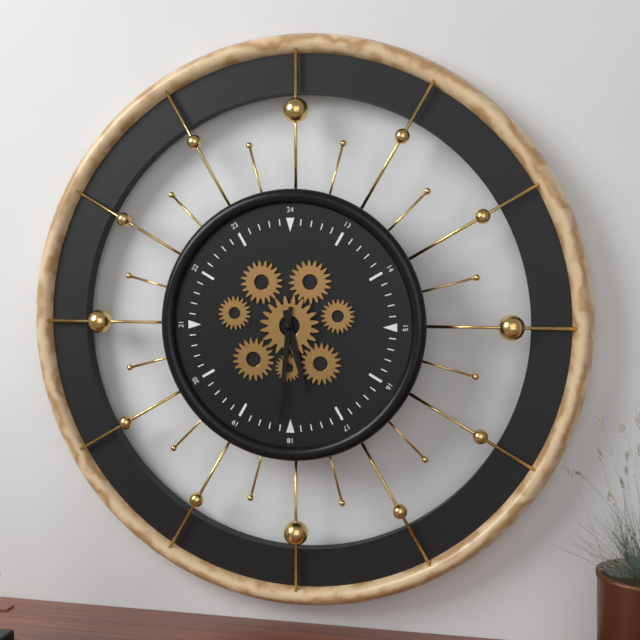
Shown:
5,31
